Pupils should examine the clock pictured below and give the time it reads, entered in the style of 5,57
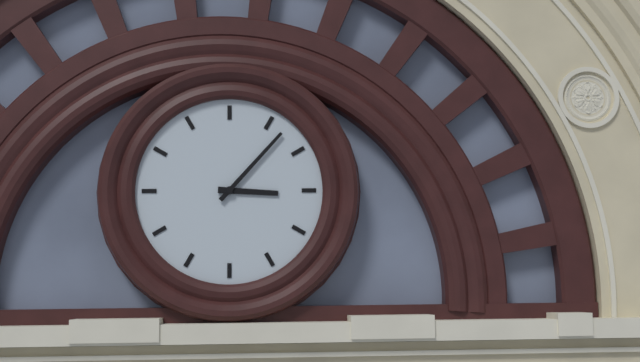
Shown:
3,07
